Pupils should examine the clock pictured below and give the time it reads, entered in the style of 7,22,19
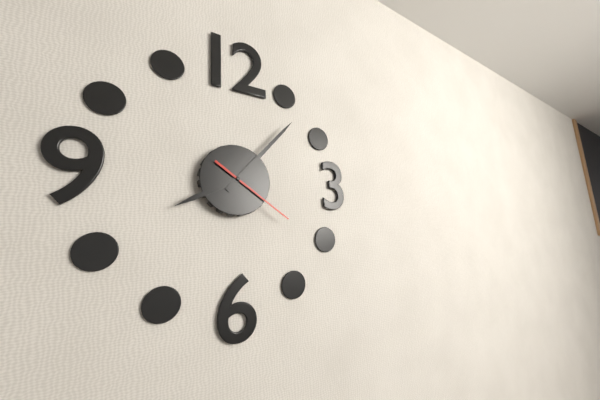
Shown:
8,07,21
